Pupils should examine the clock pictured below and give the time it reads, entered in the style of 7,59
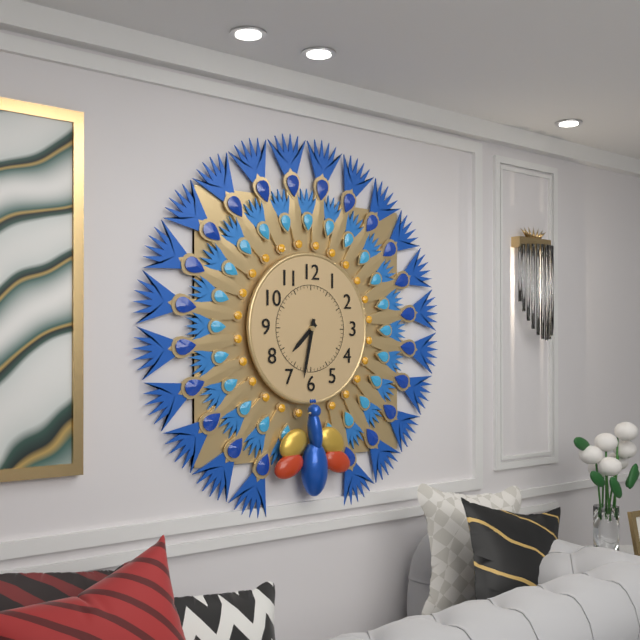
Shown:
7,32
